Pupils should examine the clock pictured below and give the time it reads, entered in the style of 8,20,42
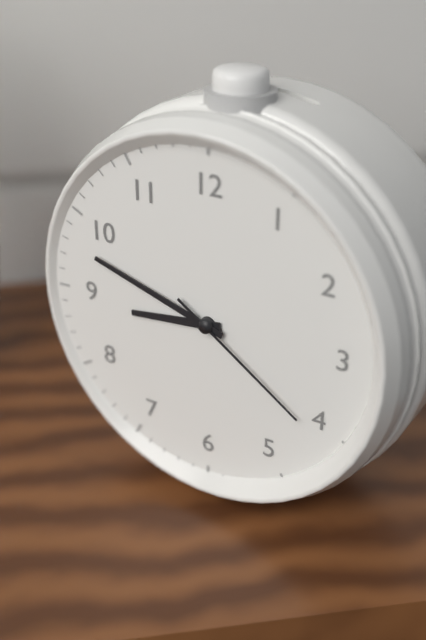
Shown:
8,48,21
